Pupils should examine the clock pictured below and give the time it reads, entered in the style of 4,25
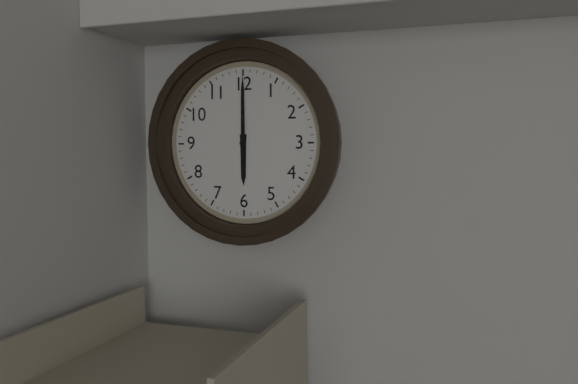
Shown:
6,00
